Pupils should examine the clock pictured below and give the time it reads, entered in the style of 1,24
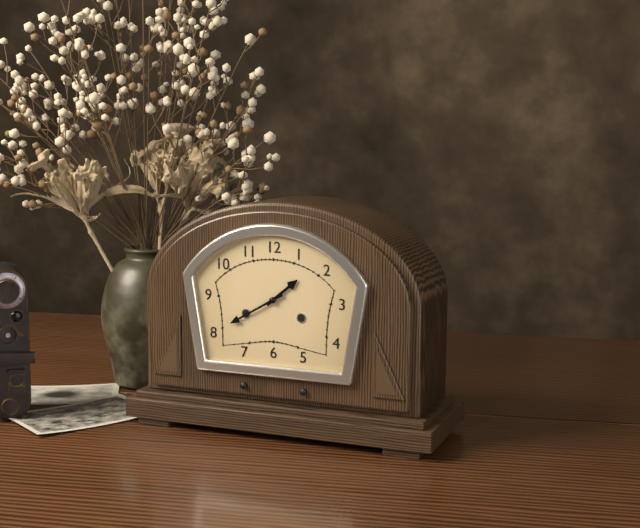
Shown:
1,40
